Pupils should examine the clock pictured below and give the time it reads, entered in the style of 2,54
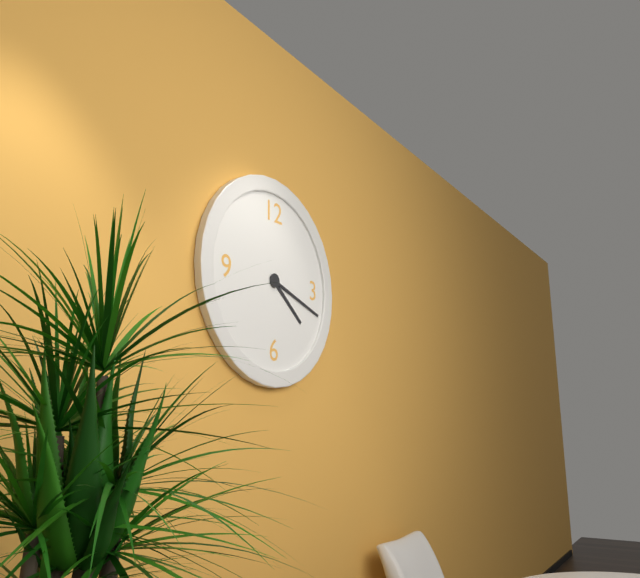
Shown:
4,18
